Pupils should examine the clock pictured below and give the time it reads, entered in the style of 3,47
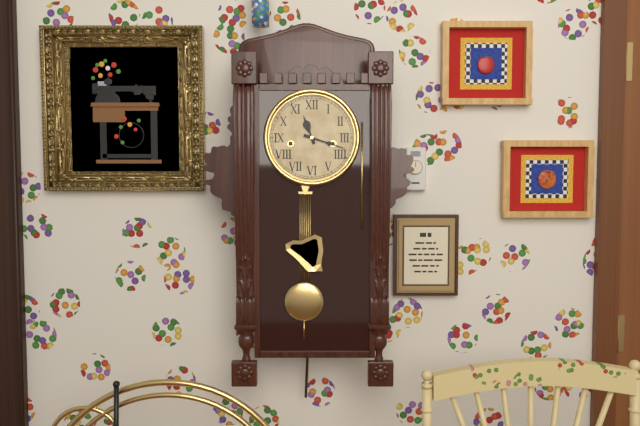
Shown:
11,18
